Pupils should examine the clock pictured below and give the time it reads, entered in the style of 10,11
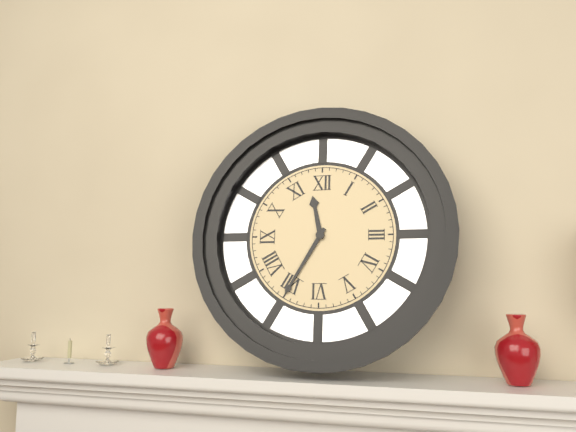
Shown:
11,35
